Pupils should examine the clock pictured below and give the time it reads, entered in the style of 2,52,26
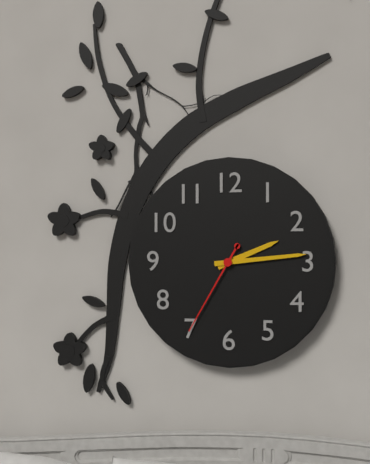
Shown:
2,14,35
